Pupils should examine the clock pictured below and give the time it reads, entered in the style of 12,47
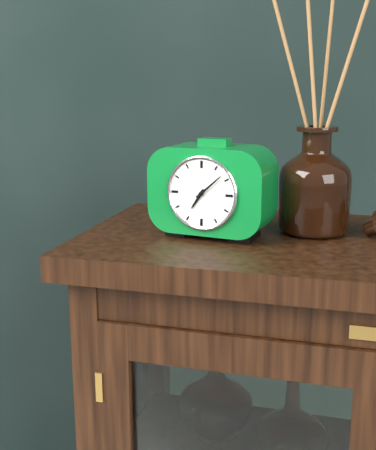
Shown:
7,08
